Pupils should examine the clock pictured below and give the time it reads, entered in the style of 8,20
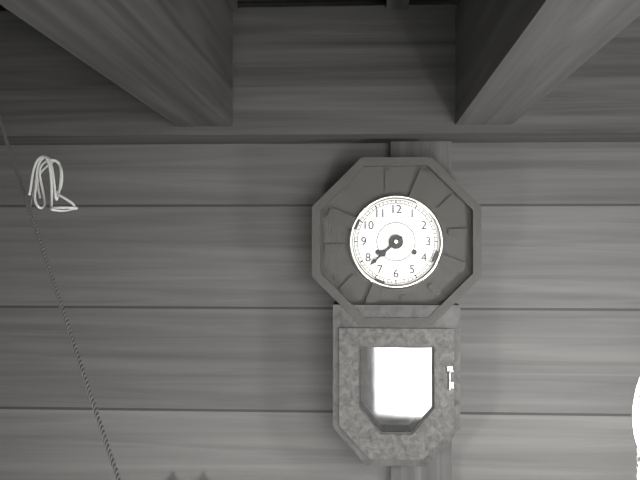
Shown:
7,38
